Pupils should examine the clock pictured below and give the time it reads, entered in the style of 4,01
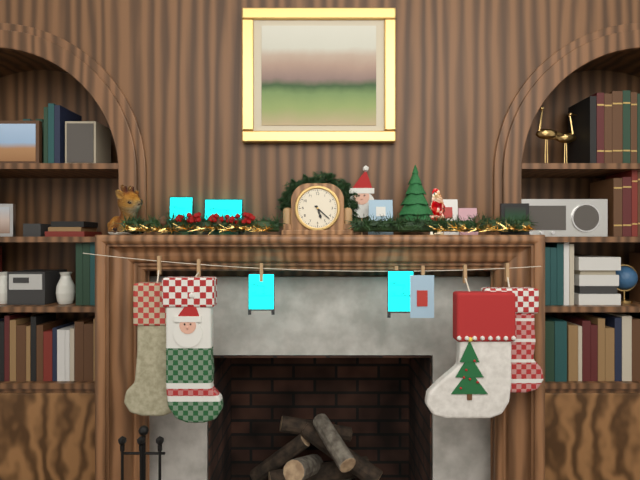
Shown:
5,22
